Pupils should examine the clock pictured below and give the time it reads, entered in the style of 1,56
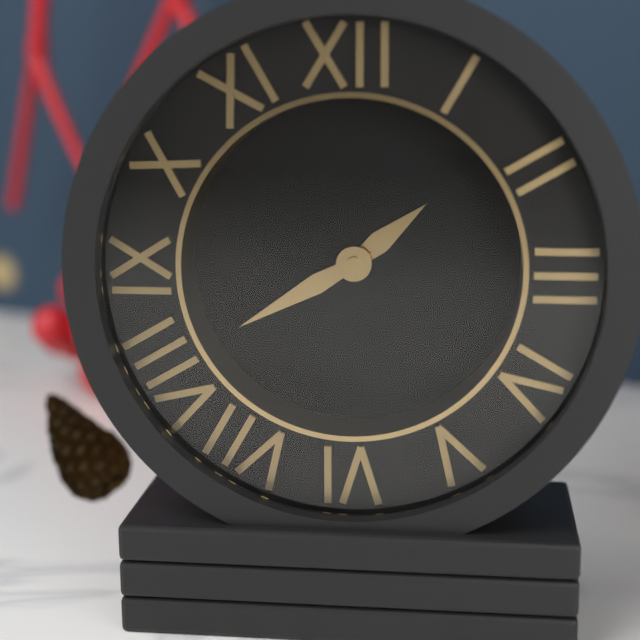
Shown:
1,40
